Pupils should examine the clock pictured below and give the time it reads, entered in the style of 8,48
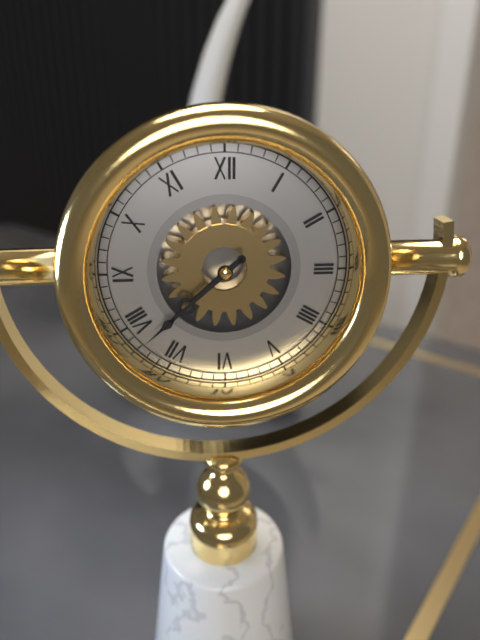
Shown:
7,38
